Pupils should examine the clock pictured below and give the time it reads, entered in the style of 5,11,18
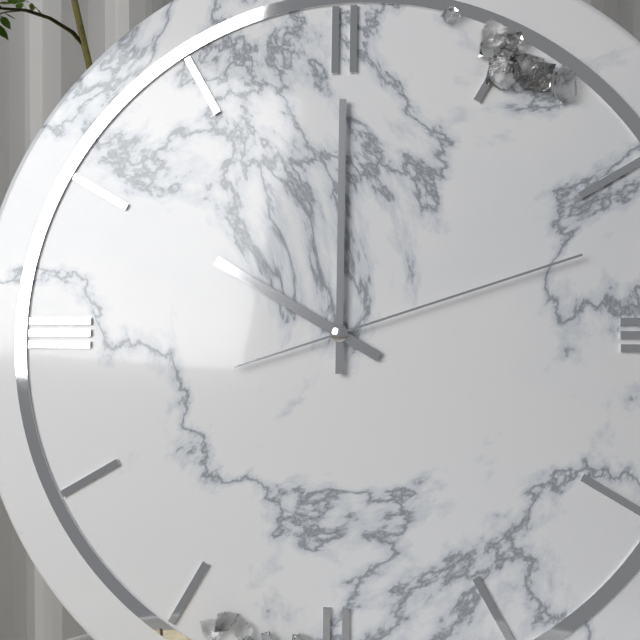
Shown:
10,00,12
